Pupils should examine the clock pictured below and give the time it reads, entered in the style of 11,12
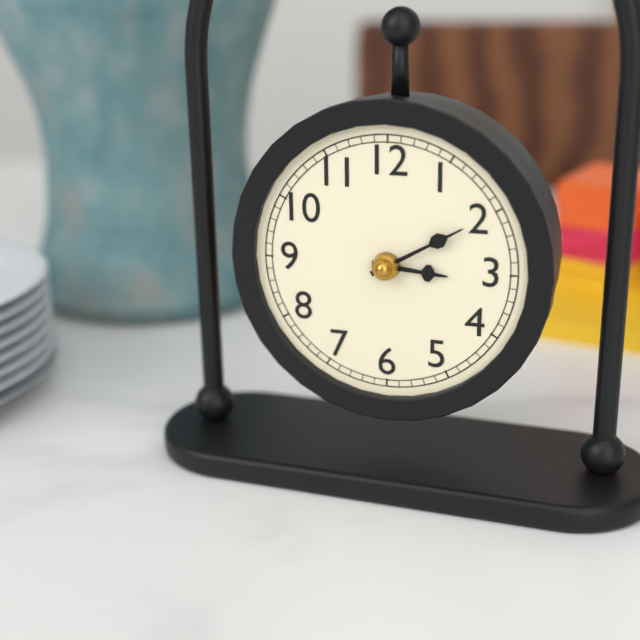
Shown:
3,10
